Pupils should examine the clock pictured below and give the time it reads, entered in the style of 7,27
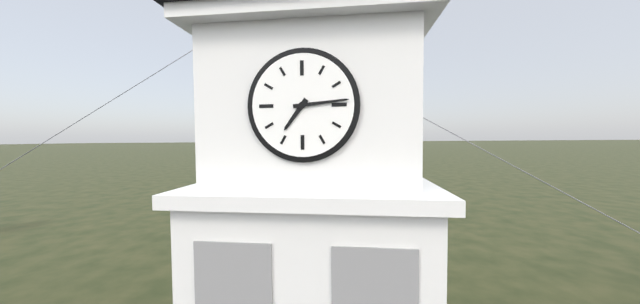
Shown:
7,14
